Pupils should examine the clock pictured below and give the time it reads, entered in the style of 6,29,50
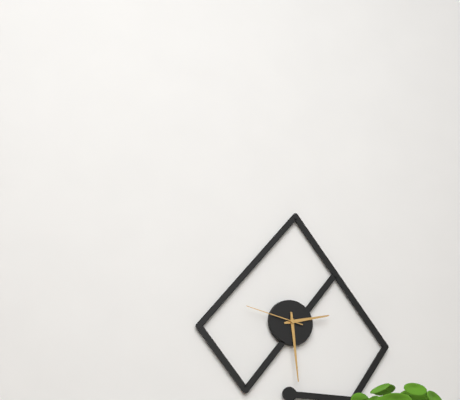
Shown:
2,29,47
